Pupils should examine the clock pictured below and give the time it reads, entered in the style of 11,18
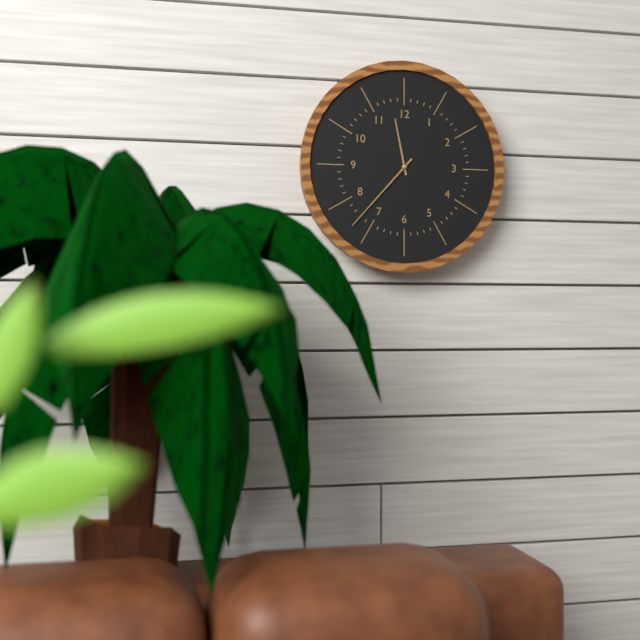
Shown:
11,37
